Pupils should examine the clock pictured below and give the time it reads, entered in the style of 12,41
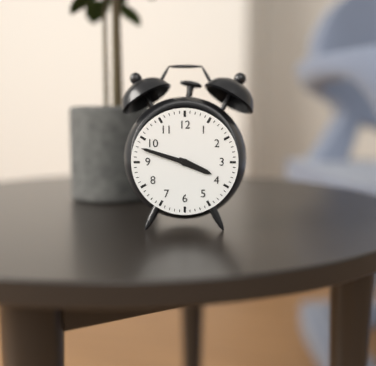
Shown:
3,48
